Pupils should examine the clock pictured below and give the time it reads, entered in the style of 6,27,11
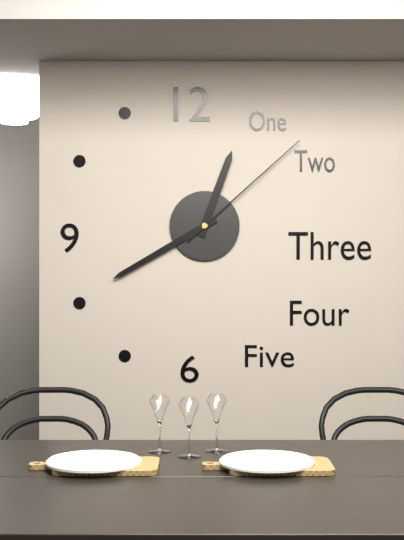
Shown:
12,40,08
